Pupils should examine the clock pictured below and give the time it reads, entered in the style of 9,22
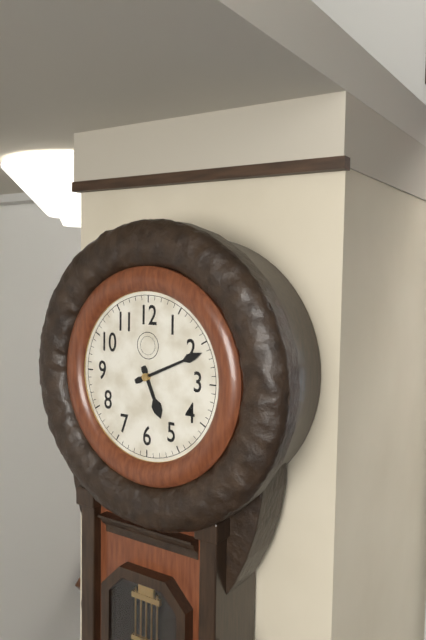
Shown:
5,11
